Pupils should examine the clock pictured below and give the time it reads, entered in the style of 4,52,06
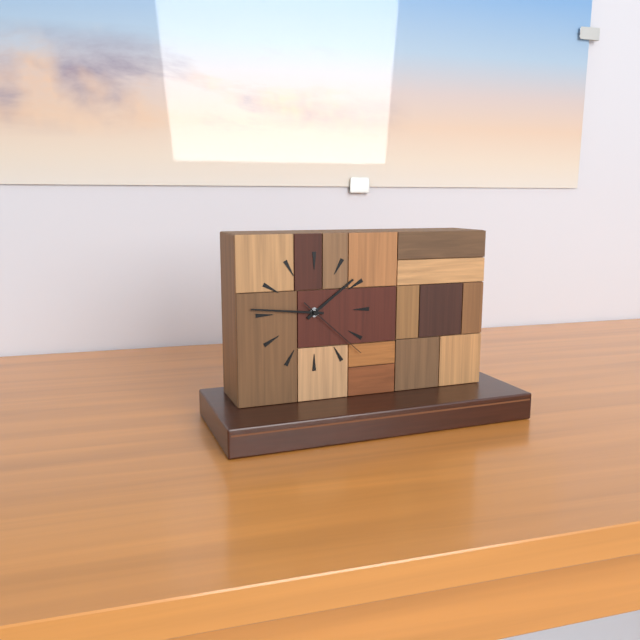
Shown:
1,46,22
